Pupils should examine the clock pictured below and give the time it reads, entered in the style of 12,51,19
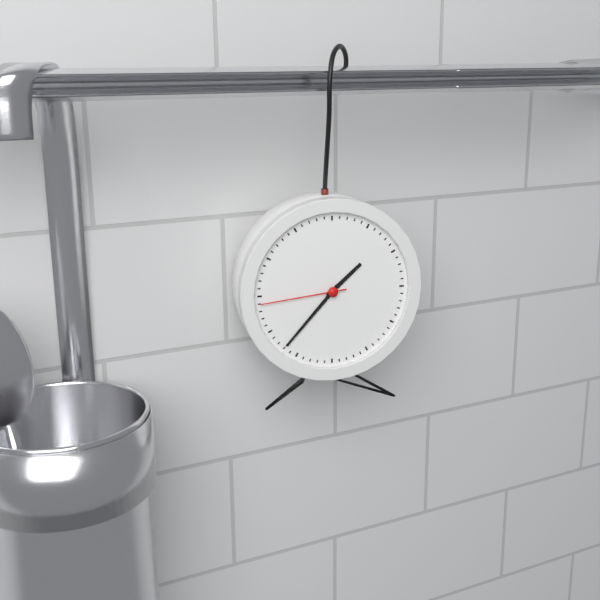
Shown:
1,37,44
